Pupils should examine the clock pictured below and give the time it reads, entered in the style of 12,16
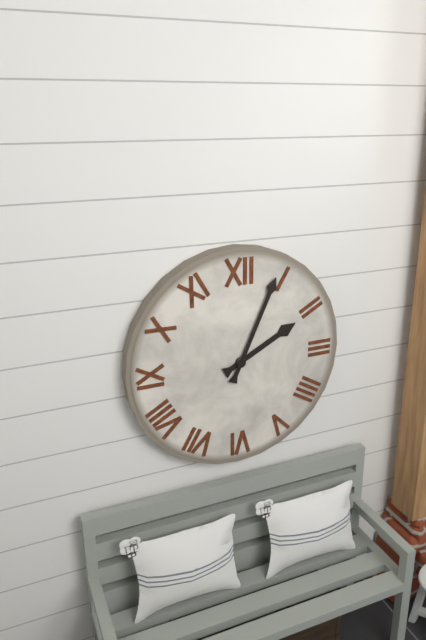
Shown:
2,04
